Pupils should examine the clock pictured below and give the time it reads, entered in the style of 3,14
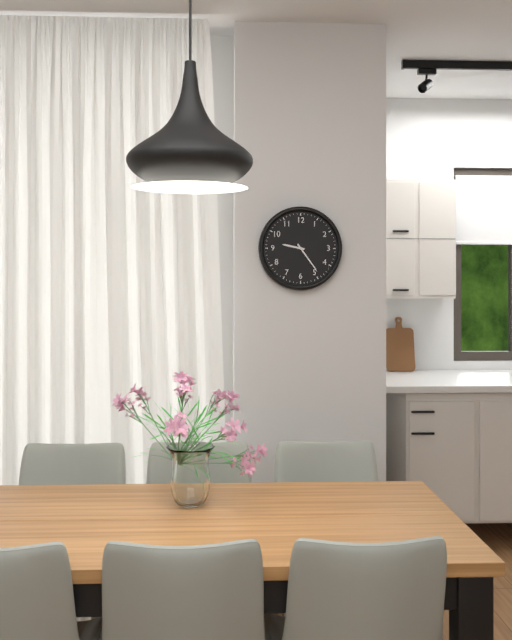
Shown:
9,24
